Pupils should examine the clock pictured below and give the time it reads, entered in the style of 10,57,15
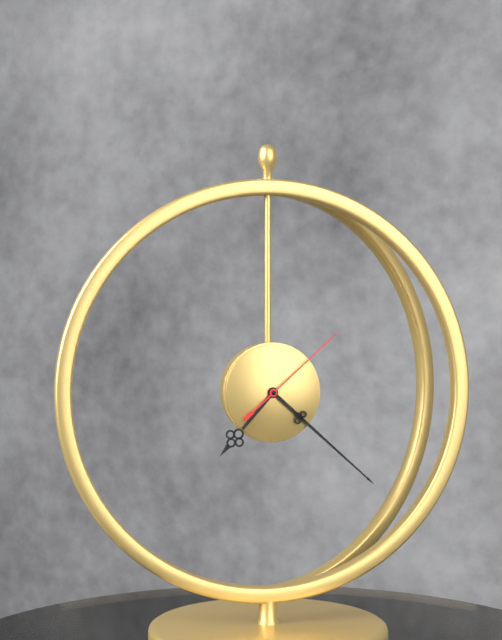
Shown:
7,22,08
